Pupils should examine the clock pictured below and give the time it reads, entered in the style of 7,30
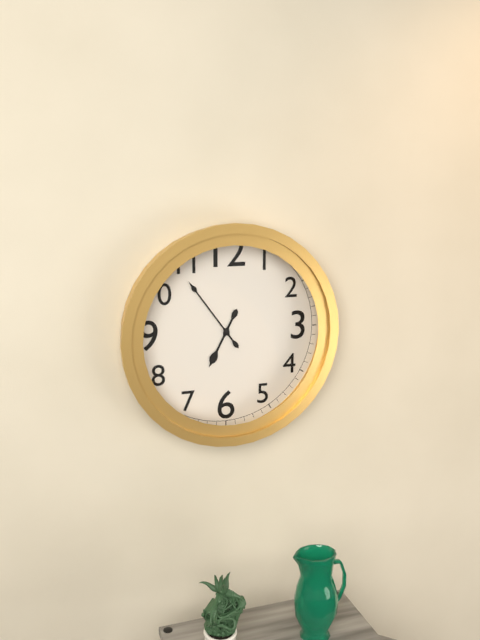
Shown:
6,54
